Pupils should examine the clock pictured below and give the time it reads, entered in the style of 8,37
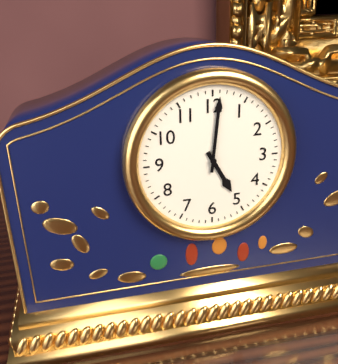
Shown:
5,01
